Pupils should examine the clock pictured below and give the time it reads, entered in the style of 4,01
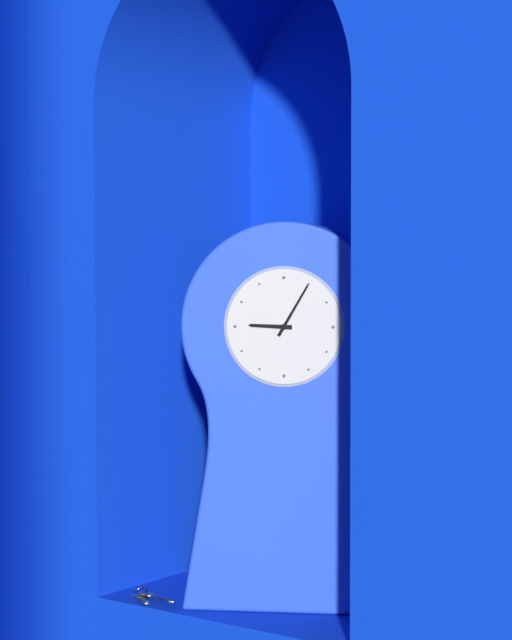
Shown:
9,05
